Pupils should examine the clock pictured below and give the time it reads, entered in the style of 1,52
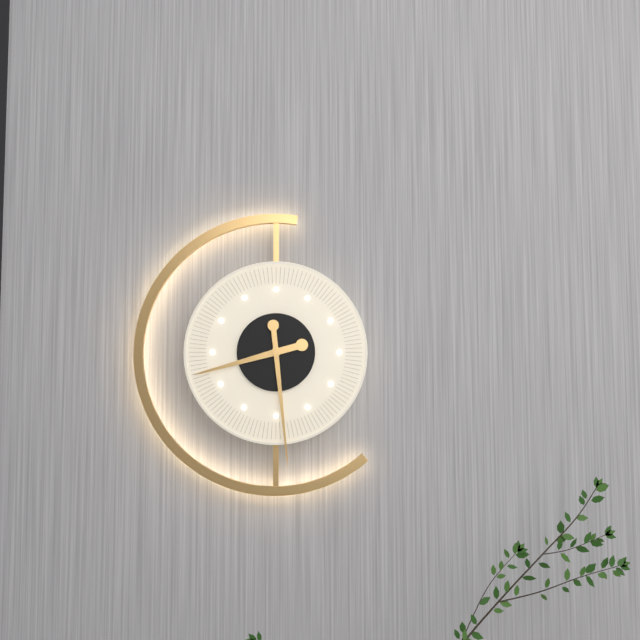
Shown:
8,29
